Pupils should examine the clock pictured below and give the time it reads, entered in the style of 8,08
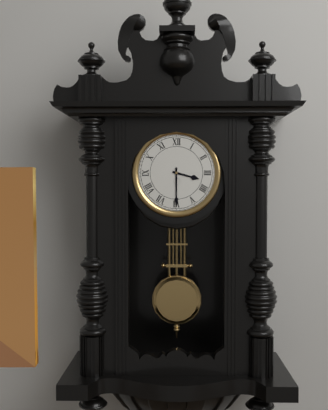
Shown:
3,30
